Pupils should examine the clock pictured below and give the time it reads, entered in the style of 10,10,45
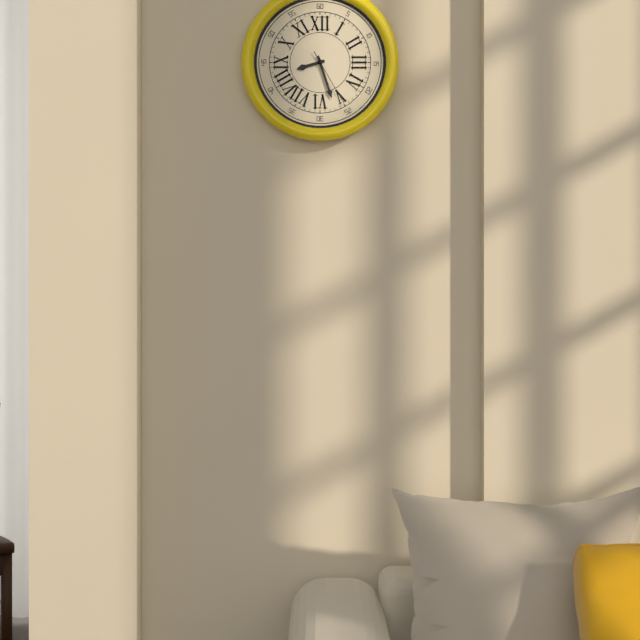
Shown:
8,27,25
